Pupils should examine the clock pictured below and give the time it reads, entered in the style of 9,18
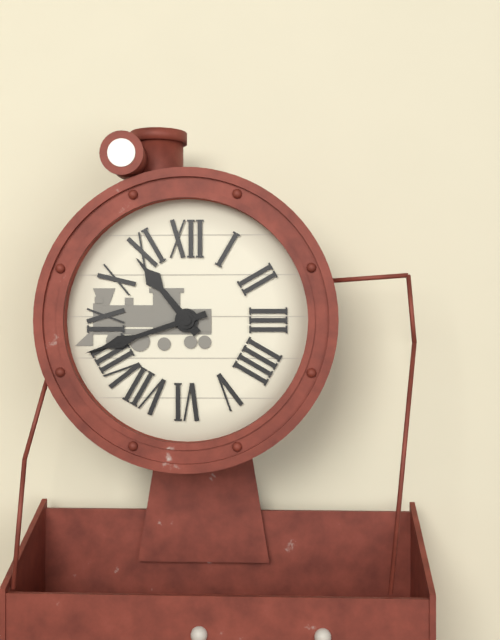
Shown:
10,42
